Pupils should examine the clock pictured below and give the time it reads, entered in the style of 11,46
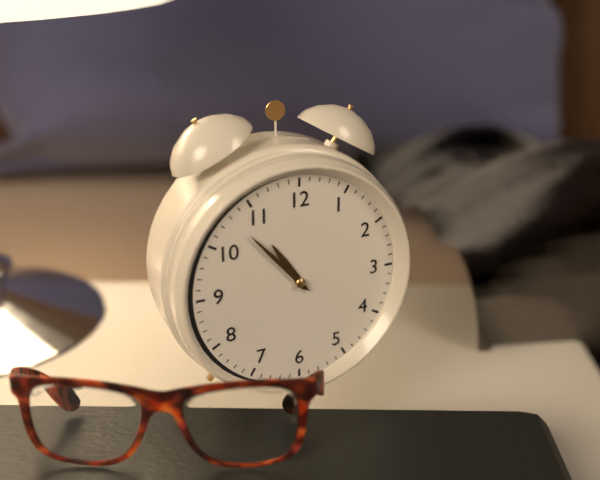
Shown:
10,53
